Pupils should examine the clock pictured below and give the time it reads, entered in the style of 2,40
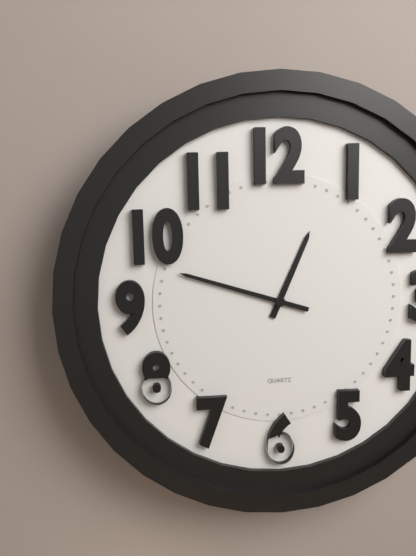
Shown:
12,48
